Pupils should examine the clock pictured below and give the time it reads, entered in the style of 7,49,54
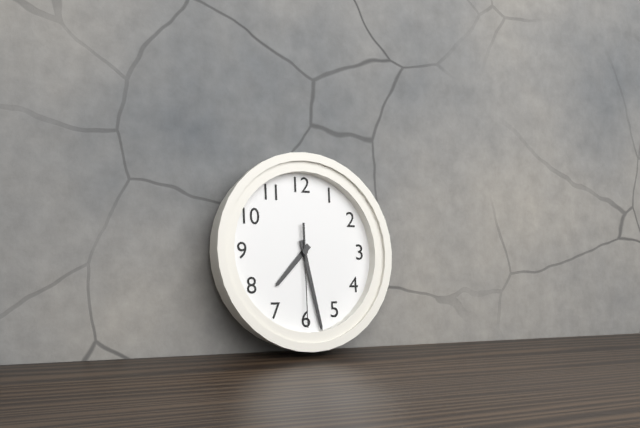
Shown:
7,28,30
